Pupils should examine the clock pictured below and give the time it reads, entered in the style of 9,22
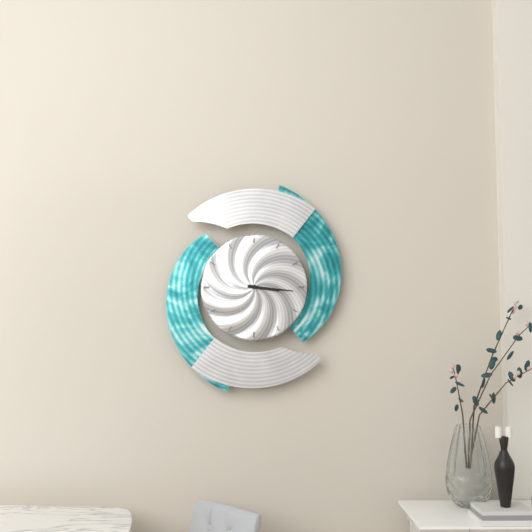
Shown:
3,16
